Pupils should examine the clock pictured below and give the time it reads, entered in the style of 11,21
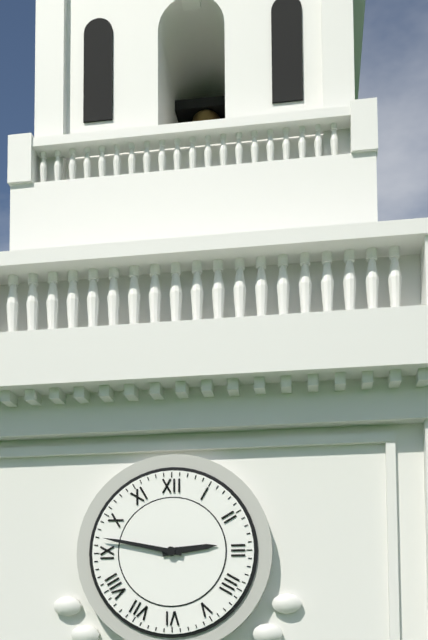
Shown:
2,47
